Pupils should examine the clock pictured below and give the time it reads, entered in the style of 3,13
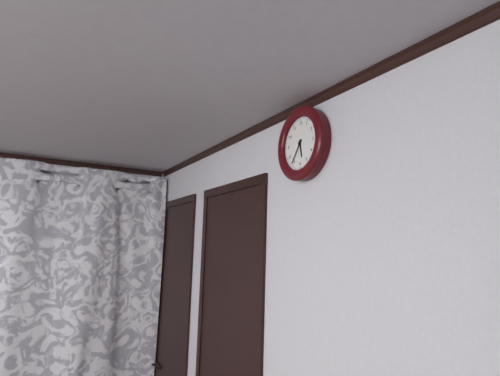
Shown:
5,36
